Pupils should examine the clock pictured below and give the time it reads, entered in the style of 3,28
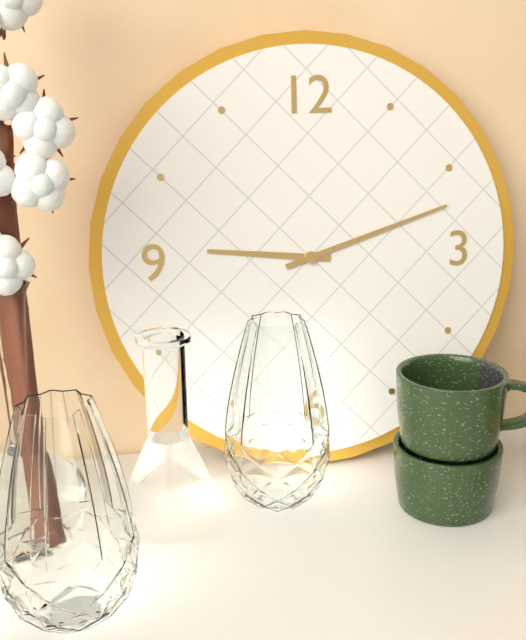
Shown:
9,12
